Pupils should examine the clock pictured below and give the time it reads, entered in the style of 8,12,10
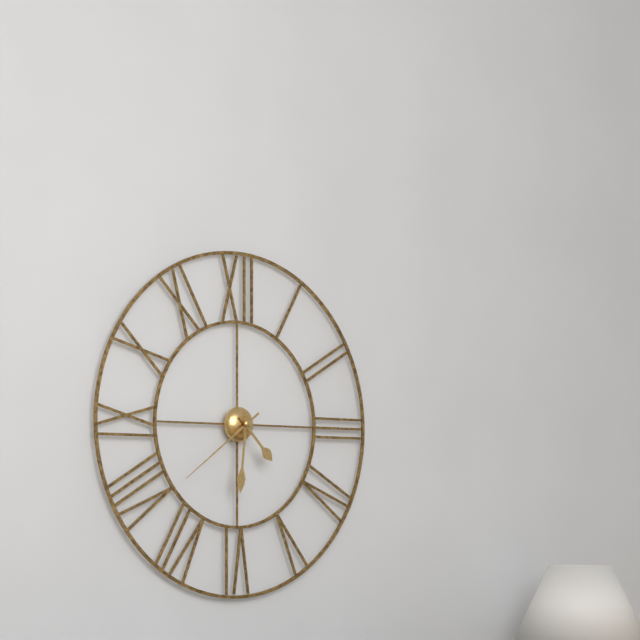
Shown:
4,31,39
